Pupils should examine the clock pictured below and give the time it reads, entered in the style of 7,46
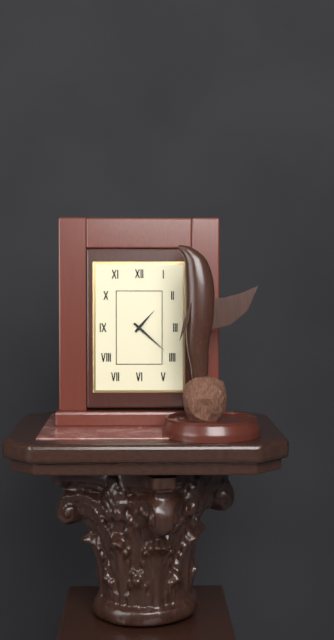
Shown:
1,22
